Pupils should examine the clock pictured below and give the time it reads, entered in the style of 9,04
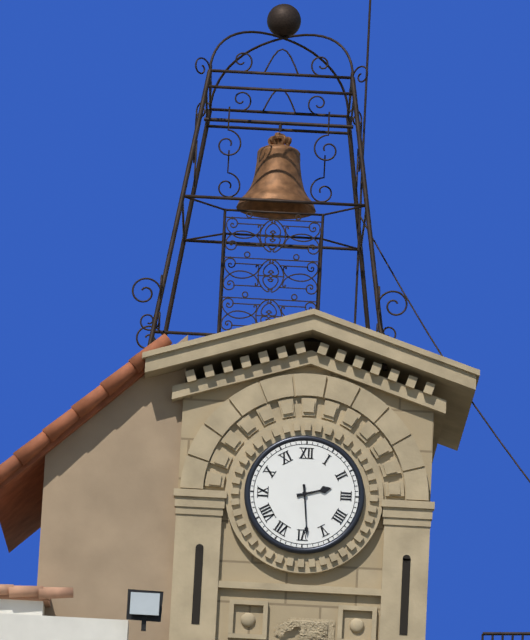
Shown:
2,29
